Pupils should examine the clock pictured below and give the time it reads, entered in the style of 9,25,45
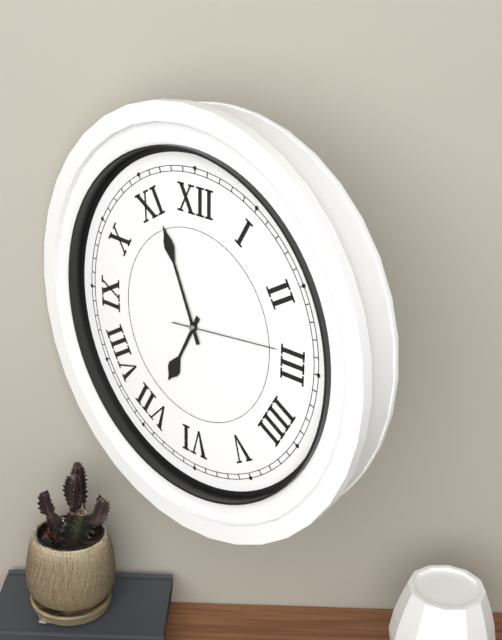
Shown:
6,56,14
